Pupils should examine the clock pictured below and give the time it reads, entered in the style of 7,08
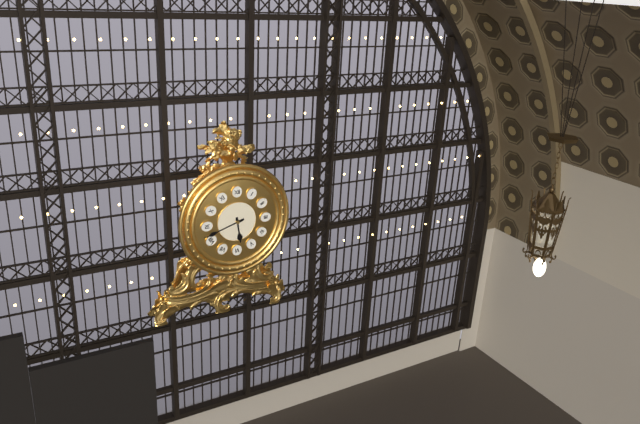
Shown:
5,42
